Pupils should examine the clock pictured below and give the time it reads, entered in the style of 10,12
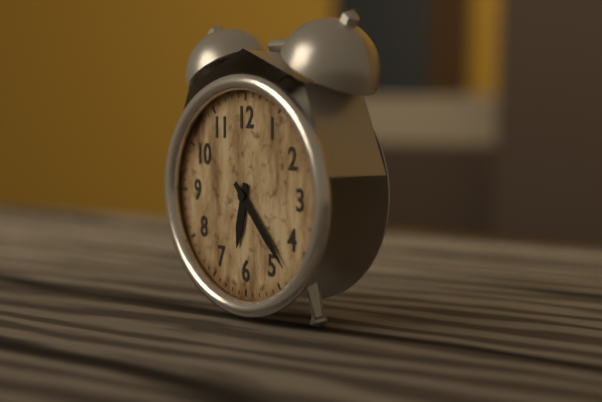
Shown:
6,23
